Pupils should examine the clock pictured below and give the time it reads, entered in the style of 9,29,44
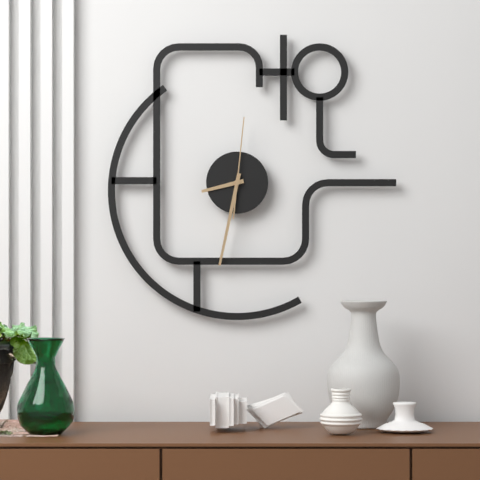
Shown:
8,32,01
